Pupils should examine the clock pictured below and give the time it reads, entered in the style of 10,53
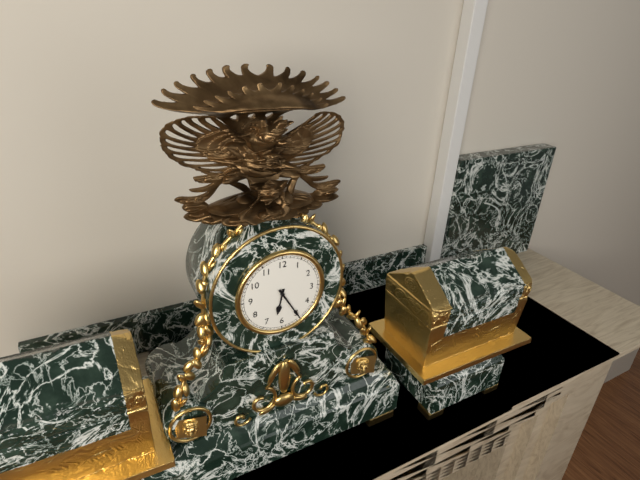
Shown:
6,25
